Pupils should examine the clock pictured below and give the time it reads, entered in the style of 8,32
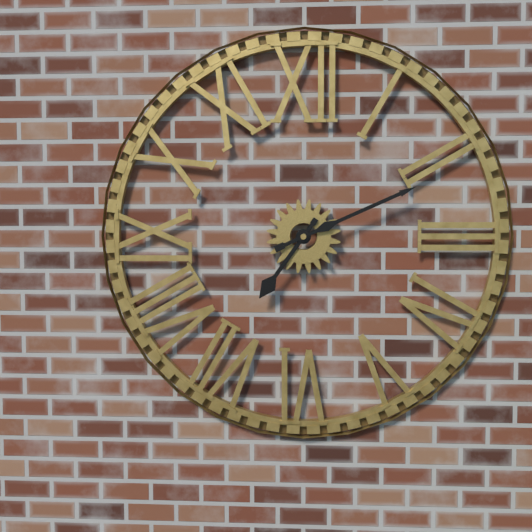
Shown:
7,11
